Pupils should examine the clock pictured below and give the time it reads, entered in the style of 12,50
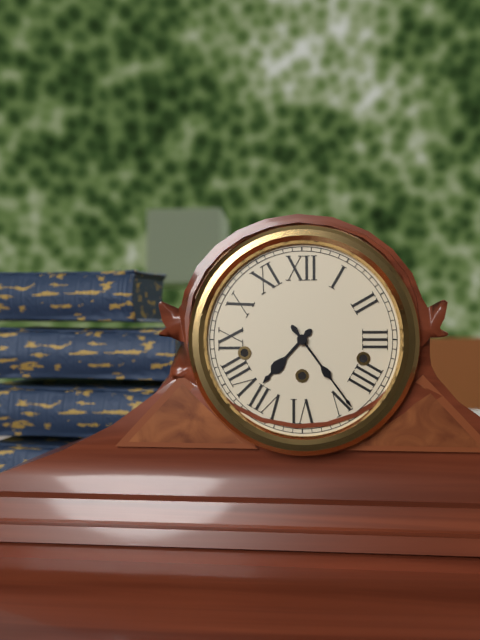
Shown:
7,24
